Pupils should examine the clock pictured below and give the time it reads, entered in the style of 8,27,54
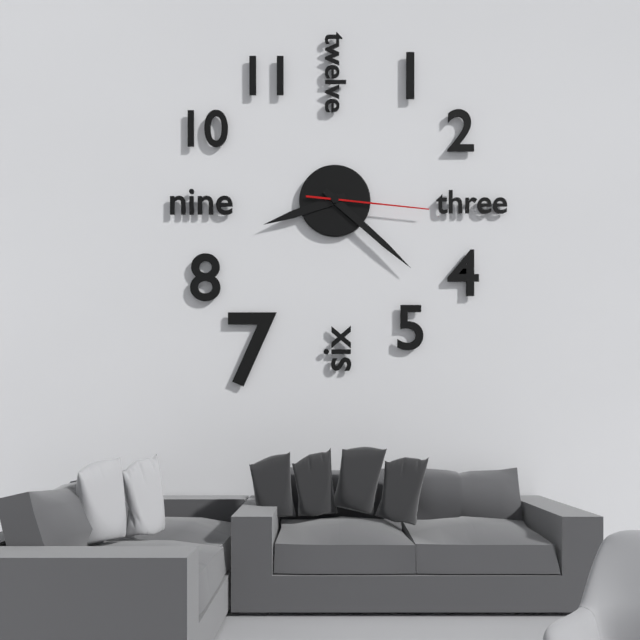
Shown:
8,22,16
